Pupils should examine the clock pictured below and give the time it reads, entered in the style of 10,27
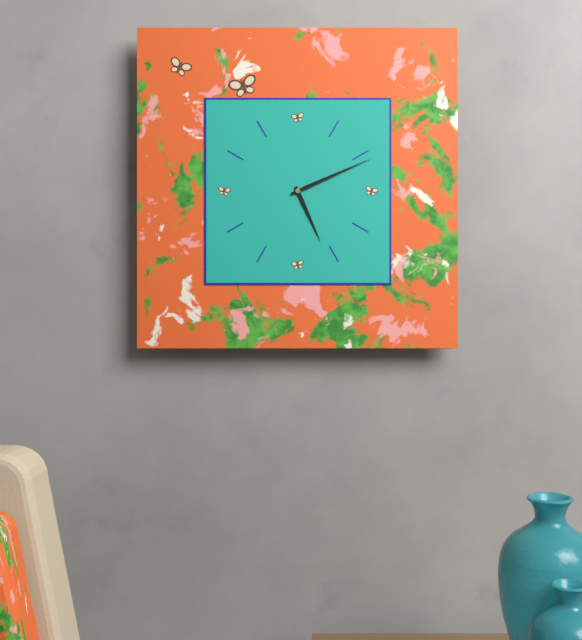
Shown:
5,11
